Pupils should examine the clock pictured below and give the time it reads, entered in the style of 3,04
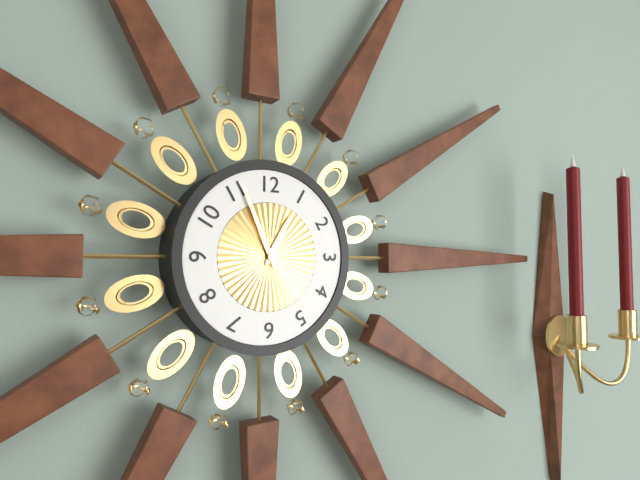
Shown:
12,56
